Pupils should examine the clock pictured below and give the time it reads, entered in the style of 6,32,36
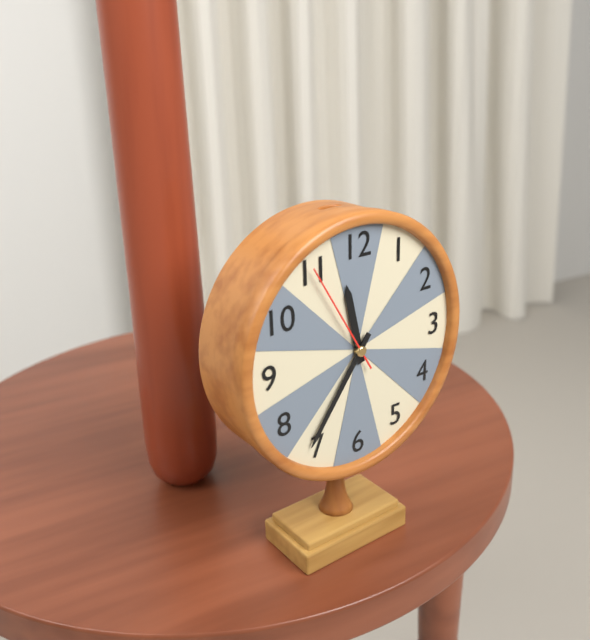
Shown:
11,36,55
